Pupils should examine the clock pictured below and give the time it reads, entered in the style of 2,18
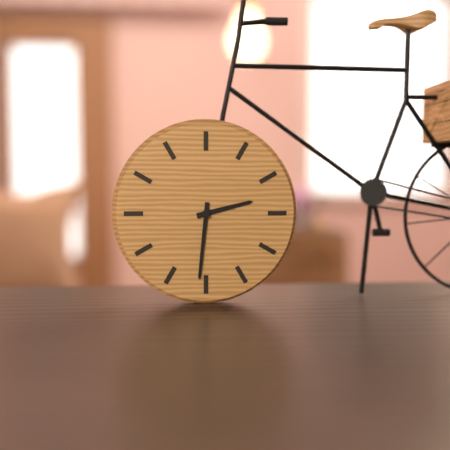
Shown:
2,31
